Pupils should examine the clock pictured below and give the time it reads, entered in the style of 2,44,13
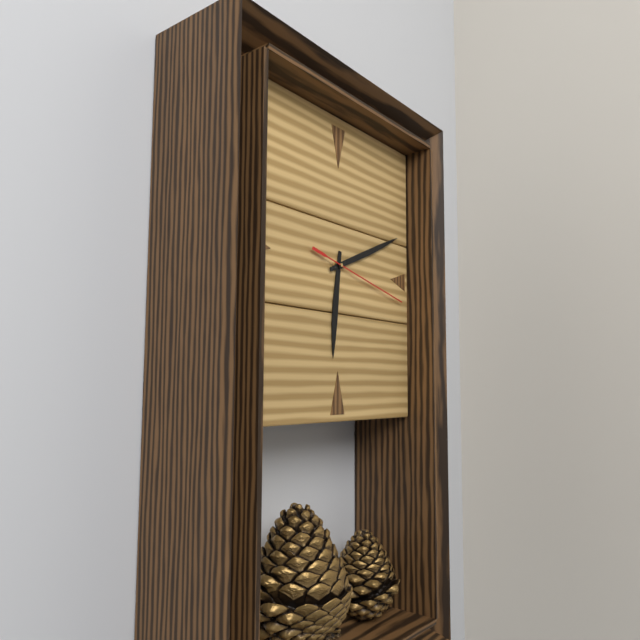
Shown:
6,11,17
